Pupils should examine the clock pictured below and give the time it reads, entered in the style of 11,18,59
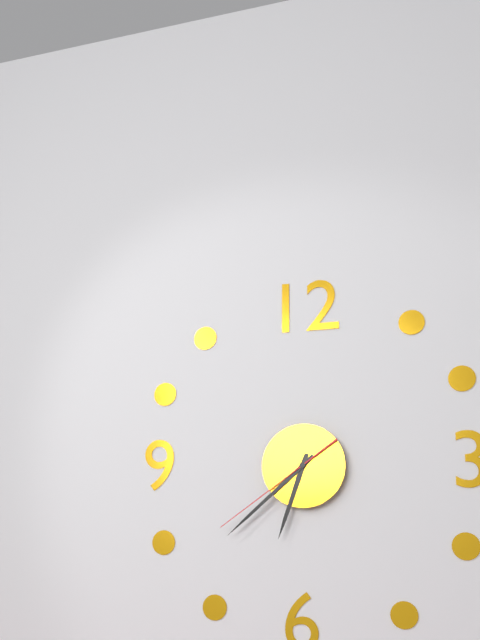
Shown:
6,38,39
